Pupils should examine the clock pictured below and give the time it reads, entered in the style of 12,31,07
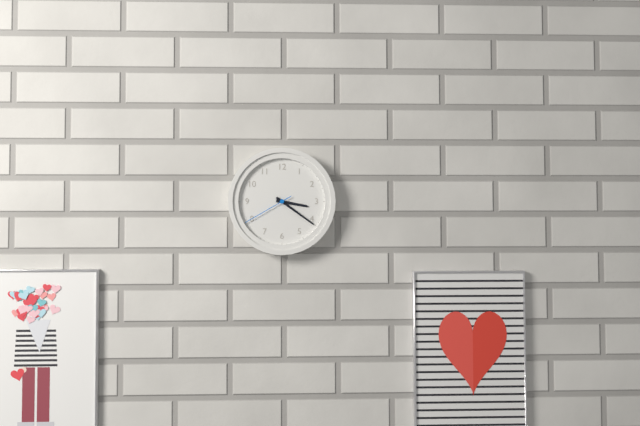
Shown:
3,21,40
